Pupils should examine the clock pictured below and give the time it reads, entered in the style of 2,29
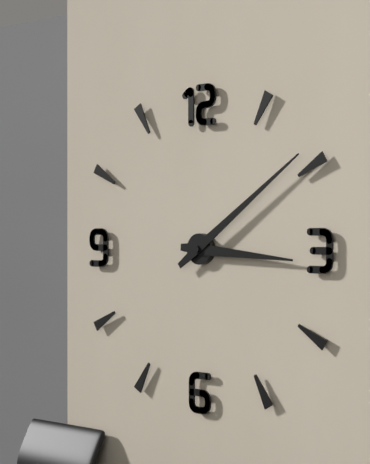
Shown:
3,09
